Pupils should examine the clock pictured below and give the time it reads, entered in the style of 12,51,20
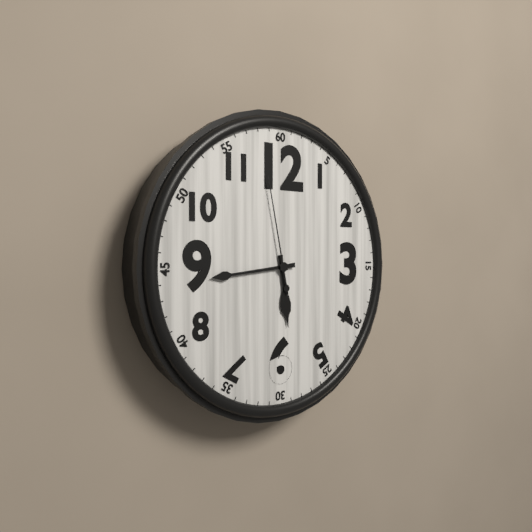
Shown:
5,44,58
